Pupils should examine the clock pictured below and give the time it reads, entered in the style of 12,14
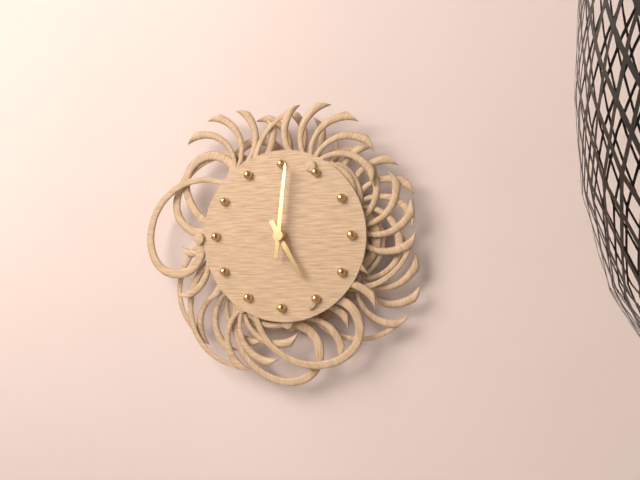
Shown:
5,01
